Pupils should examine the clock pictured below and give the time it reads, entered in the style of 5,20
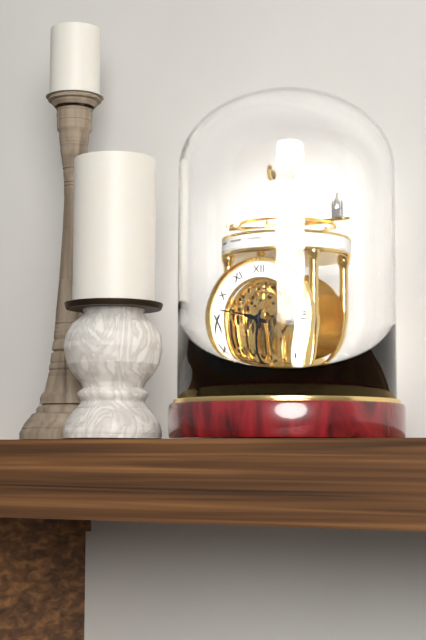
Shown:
6,47
